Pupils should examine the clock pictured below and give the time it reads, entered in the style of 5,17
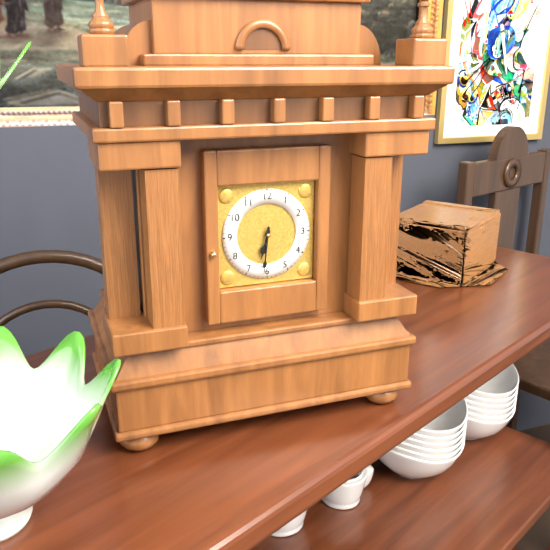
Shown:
6,31
